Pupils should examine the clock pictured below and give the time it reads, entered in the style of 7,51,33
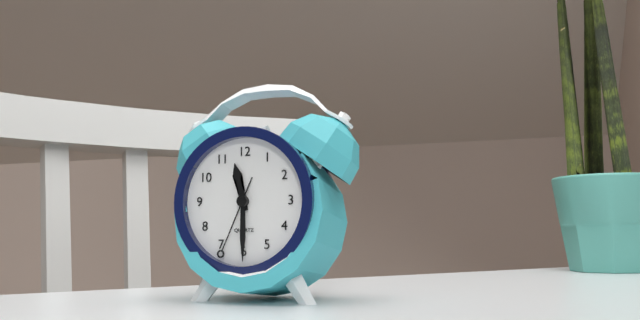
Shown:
11,30,34
